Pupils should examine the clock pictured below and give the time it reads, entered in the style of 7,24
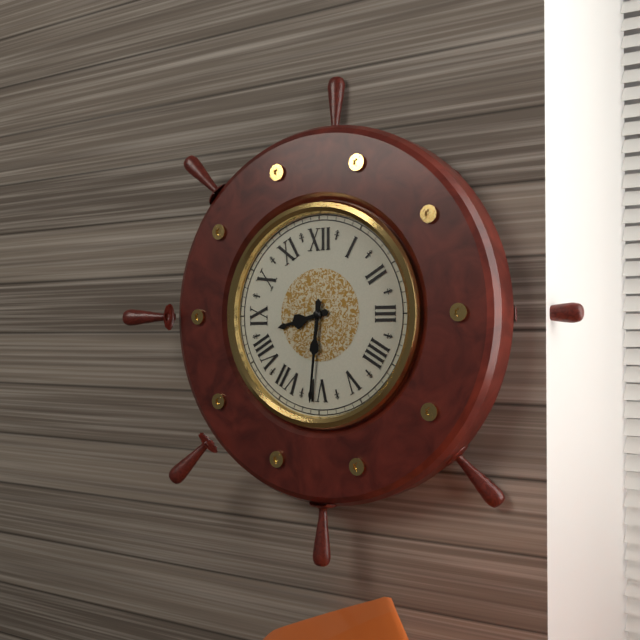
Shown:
8,31
